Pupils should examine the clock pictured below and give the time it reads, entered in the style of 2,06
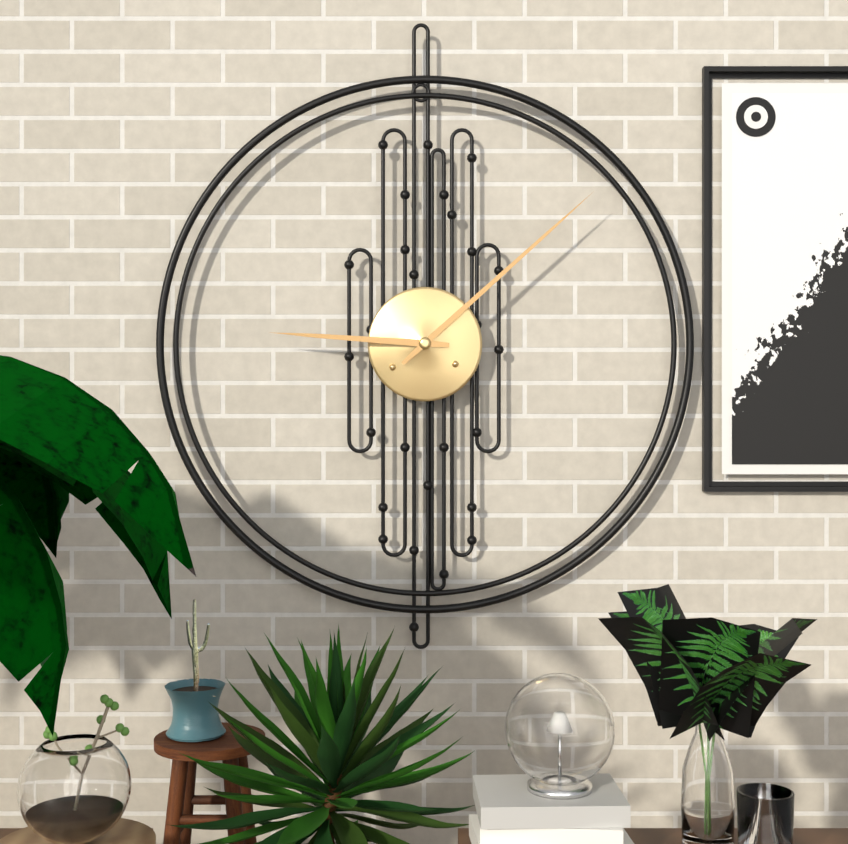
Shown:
9,08
